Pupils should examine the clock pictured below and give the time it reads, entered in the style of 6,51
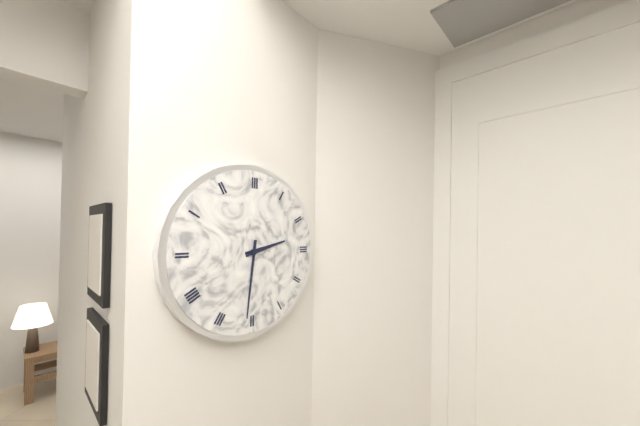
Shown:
2,31
